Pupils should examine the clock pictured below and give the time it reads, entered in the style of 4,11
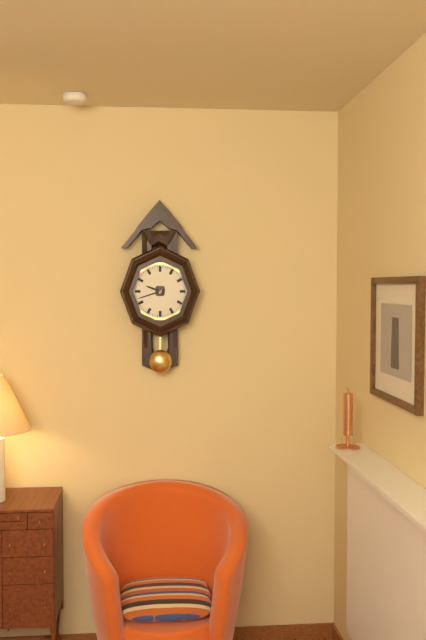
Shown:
9,42
